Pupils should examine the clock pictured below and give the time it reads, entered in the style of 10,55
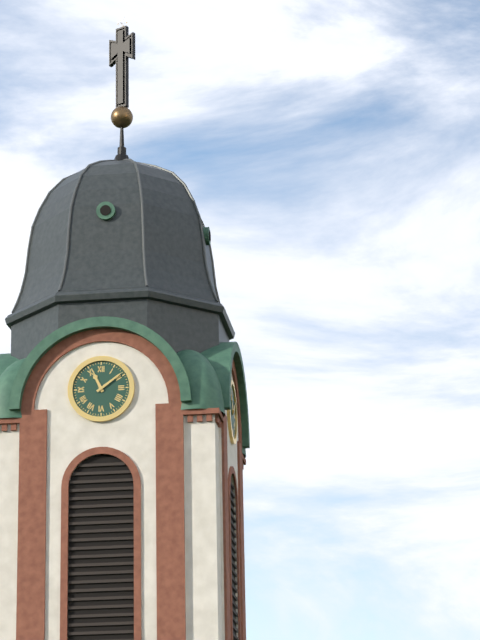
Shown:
11,09
